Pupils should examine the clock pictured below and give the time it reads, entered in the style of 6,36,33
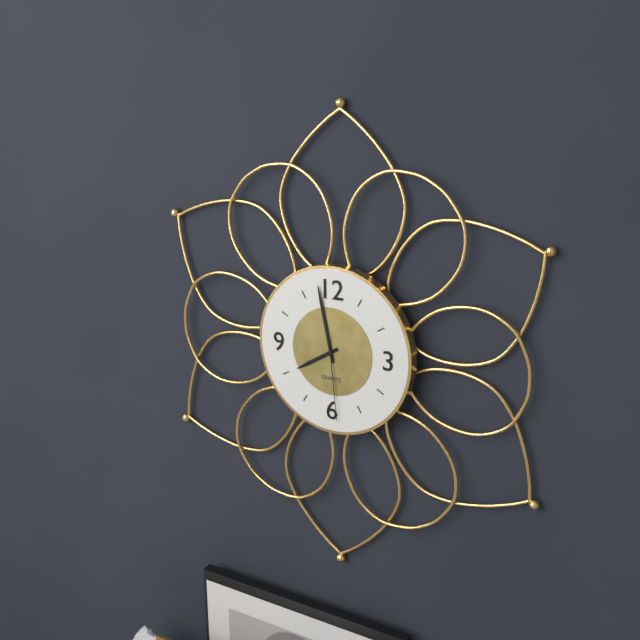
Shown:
7,58,29
